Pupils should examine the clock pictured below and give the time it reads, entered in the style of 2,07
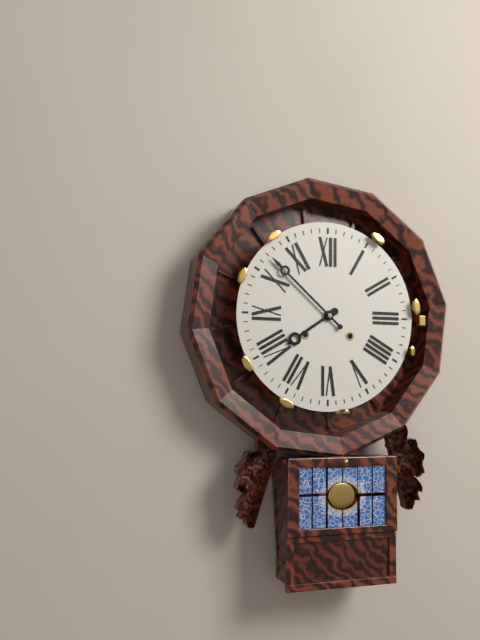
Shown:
7,52
